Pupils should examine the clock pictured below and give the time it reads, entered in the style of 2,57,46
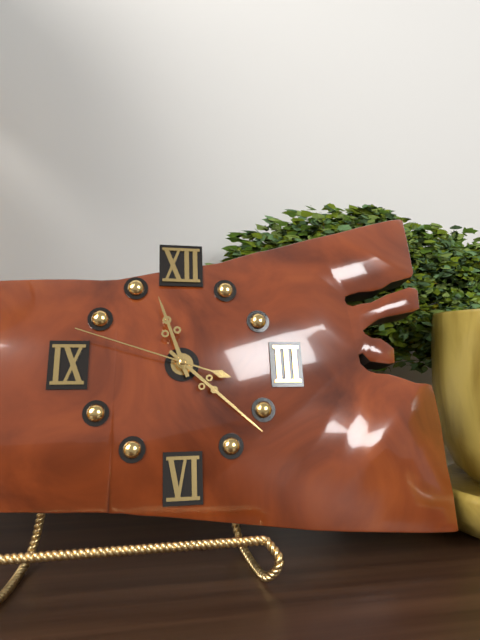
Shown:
11,22,48
